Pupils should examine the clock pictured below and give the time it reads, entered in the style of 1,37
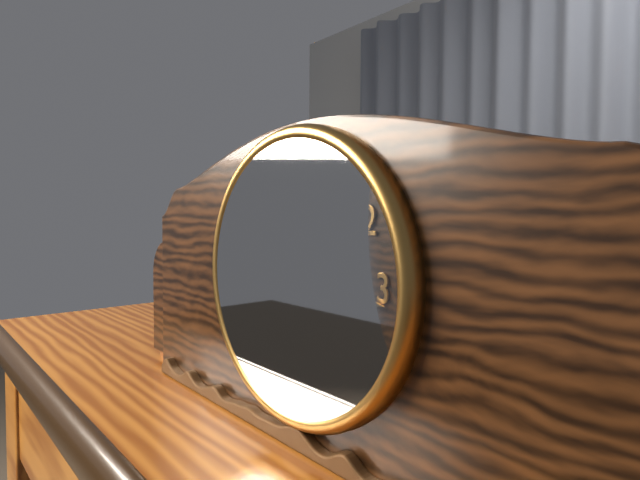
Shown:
1,16
